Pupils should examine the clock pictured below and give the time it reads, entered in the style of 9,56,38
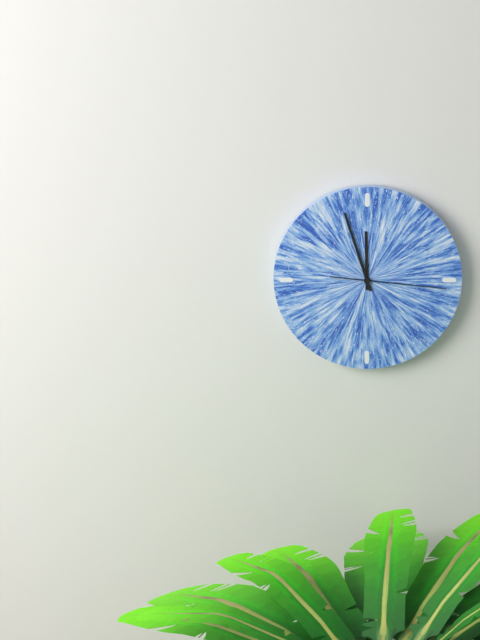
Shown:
11,57,16
